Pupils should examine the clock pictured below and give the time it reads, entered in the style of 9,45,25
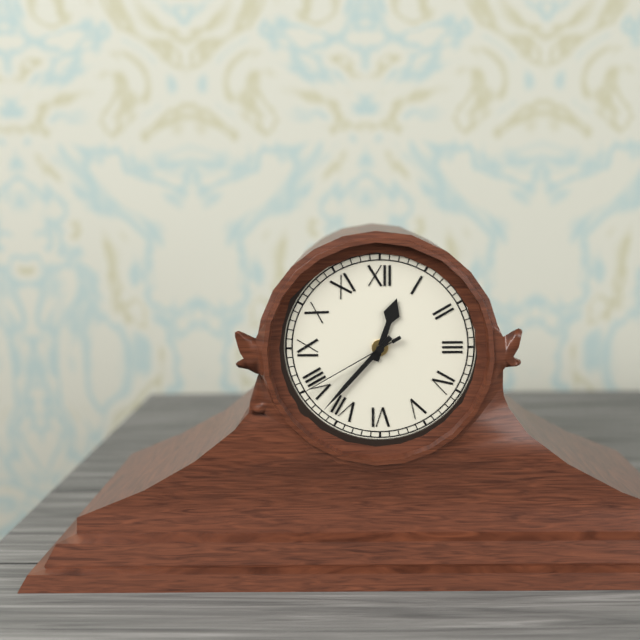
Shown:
12,37,40
